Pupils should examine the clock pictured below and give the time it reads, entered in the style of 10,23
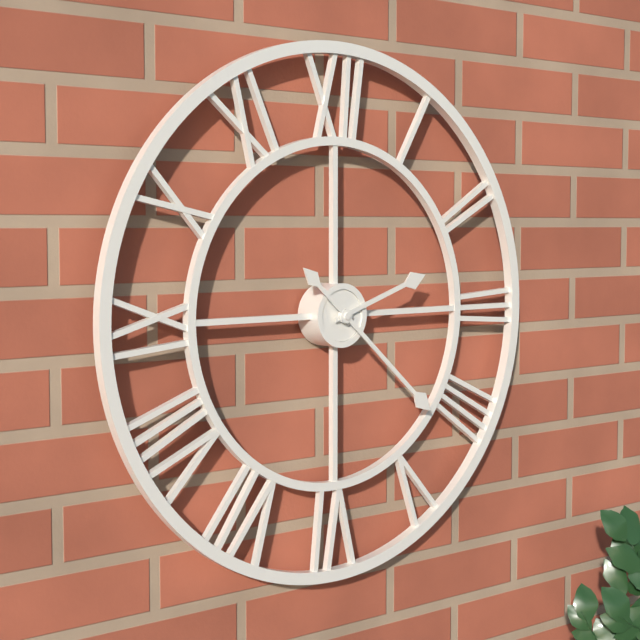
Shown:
2,22
